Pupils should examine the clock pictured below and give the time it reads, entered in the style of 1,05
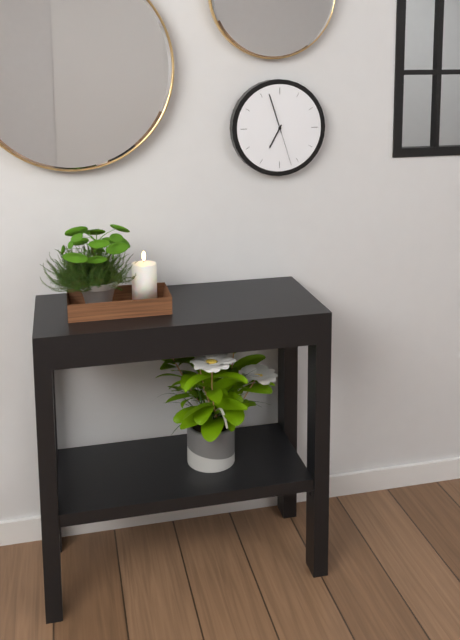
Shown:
6,57
